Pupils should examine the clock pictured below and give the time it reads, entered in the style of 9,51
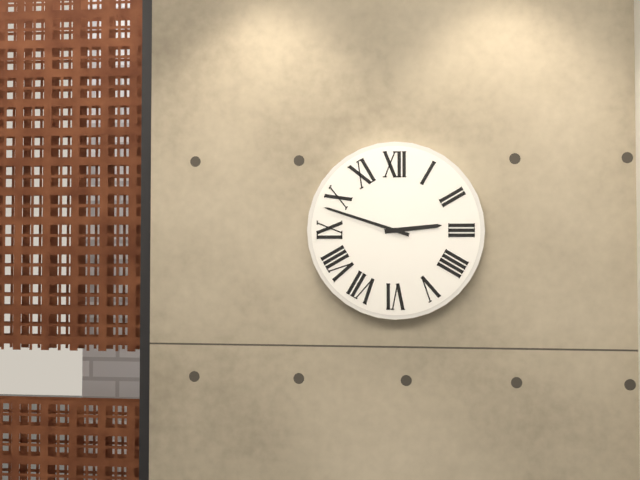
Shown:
2,48
